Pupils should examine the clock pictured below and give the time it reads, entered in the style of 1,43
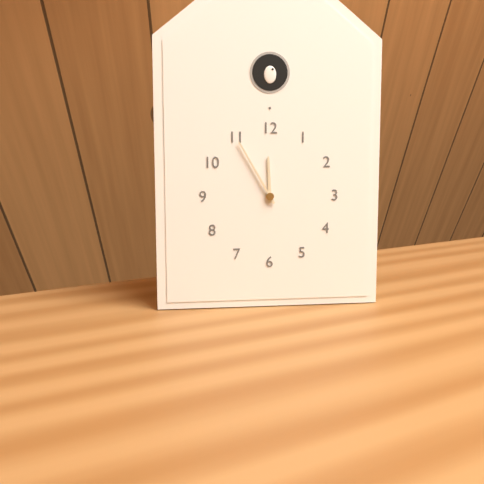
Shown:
11,55
